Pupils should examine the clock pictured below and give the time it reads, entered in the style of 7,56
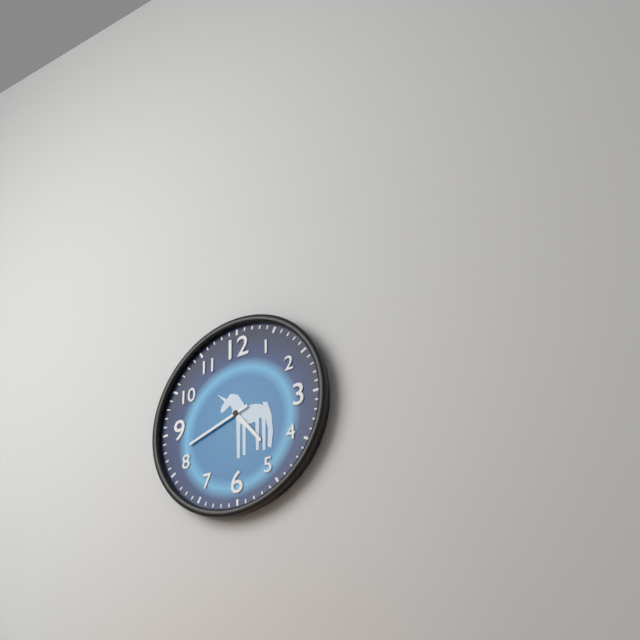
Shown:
4,42
